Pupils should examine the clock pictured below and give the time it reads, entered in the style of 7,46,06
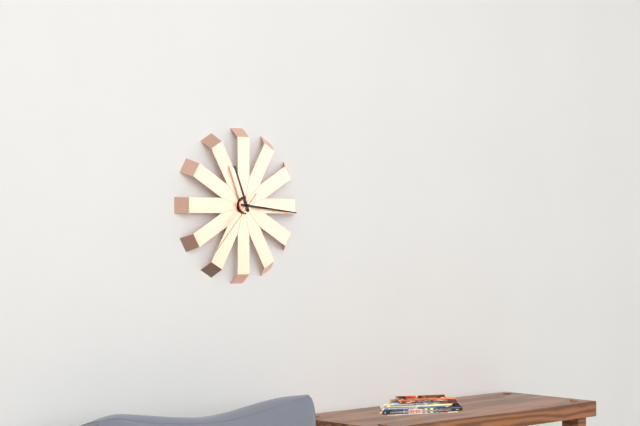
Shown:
11,16,37
